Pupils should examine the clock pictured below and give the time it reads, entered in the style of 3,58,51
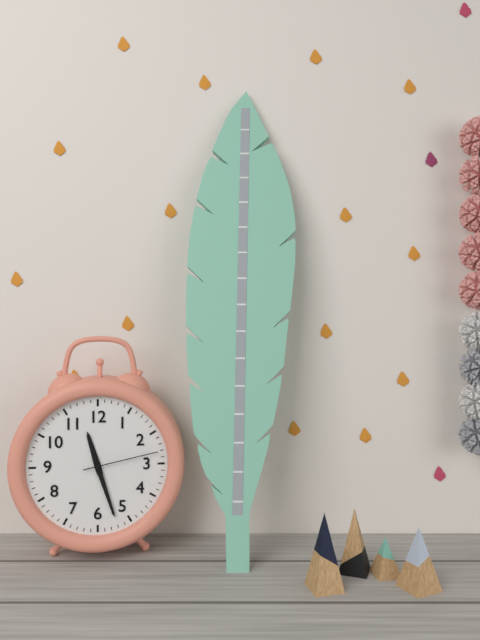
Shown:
11,27,13
